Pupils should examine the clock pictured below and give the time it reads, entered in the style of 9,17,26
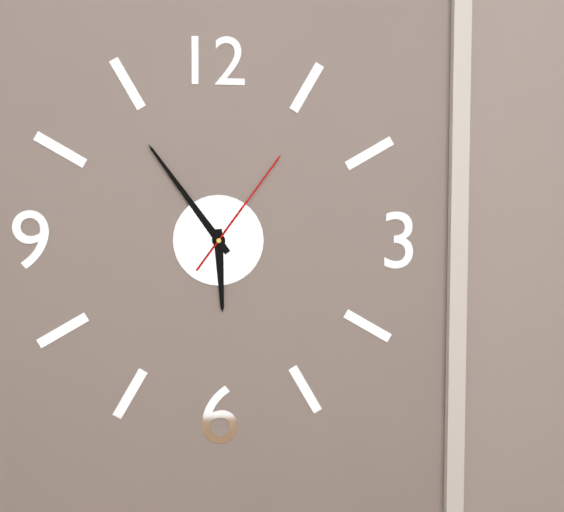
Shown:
5,54,06
